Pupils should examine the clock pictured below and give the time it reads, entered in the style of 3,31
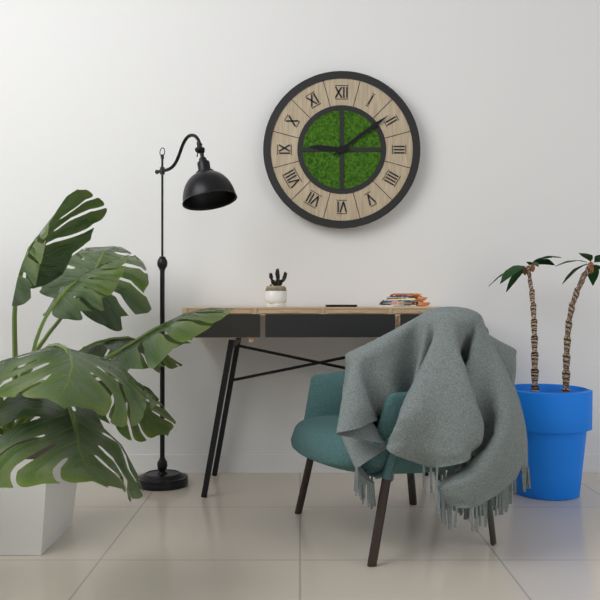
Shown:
9,09
